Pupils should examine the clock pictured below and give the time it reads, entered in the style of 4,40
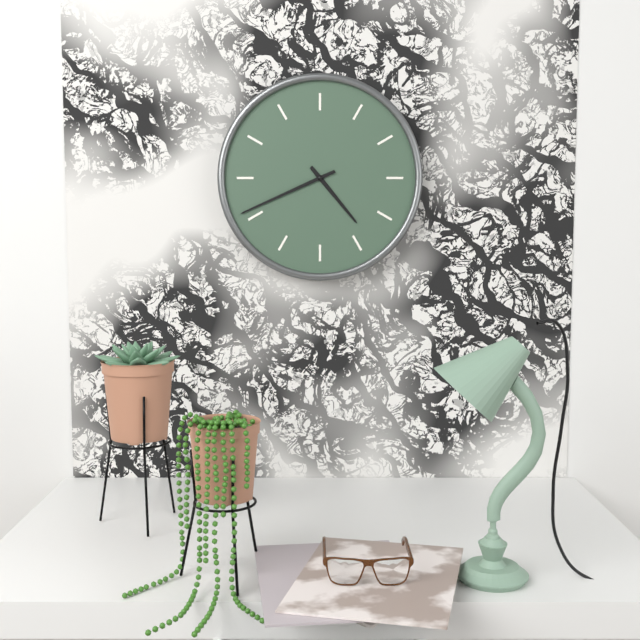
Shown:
4,41
